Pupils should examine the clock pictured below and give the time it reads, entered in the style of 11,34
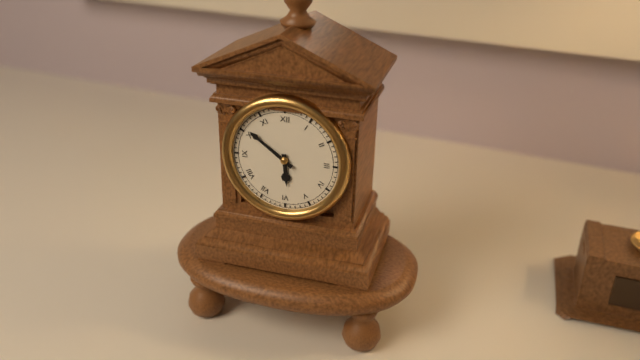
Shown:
5,51
